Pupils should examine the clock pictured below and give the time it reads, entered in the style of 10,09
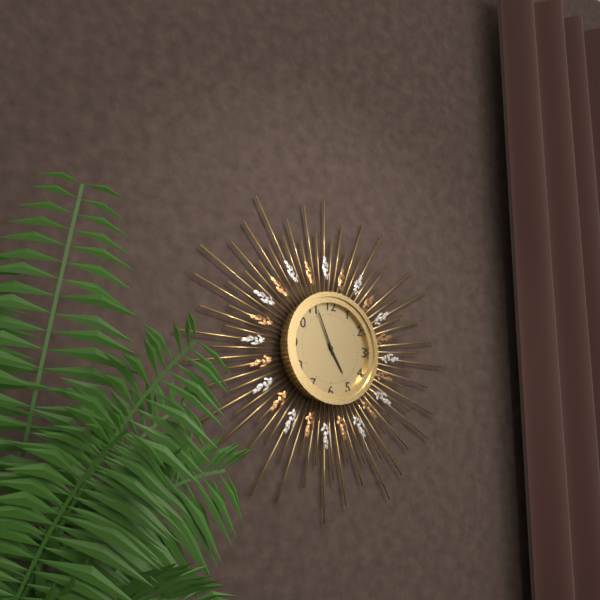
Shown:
4,56
